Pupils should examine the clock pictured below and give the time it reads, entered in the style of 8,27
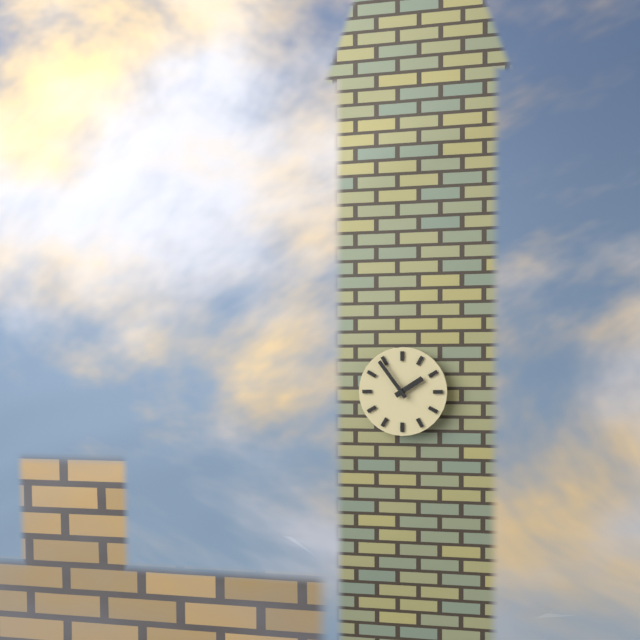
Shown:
1,54
